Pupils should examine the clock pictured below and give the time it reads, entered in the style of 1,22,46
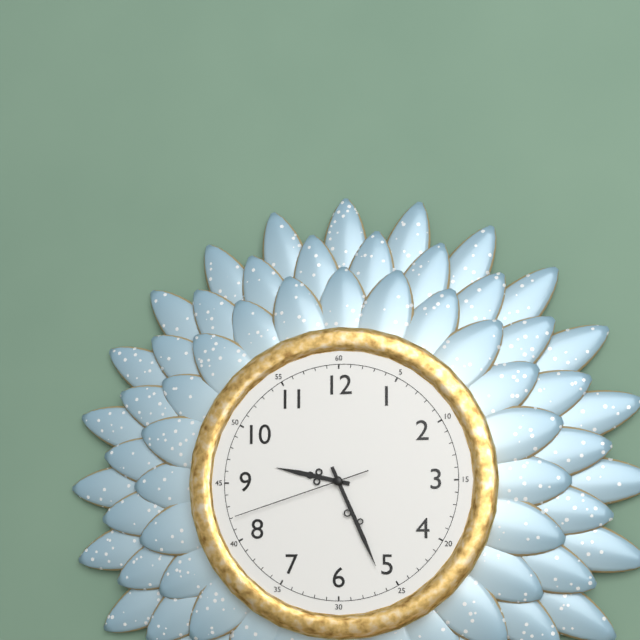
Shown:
9,26,42
